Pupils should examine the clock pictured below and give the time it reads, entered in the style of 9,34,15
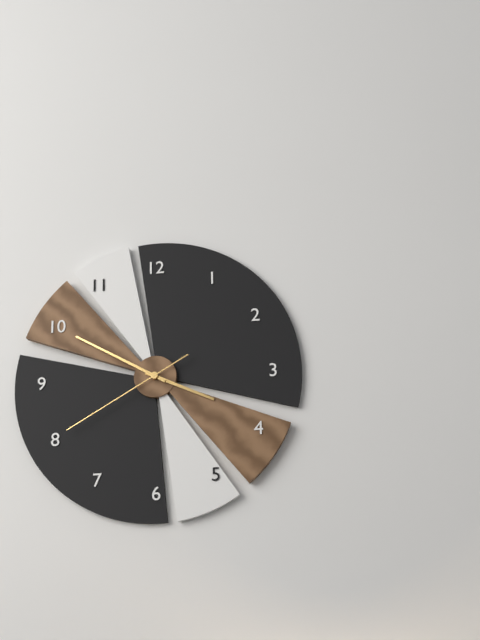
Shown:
3,50,40
